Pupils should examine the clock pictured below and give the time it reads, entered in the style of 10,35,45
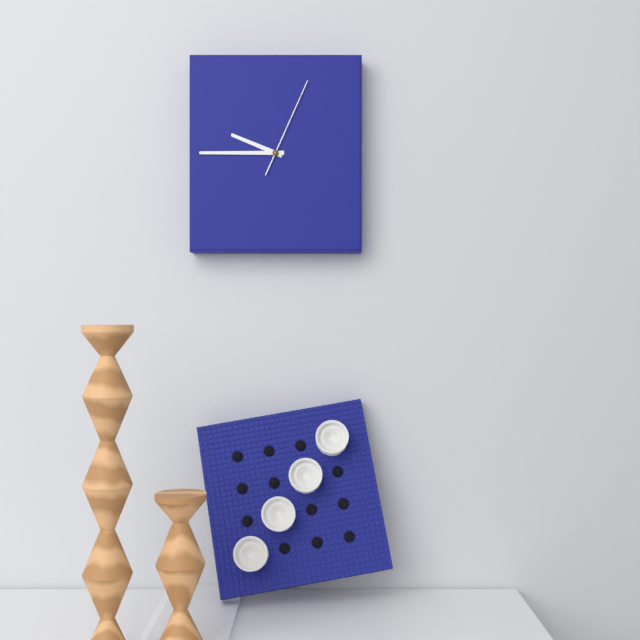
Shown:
9,45,04
